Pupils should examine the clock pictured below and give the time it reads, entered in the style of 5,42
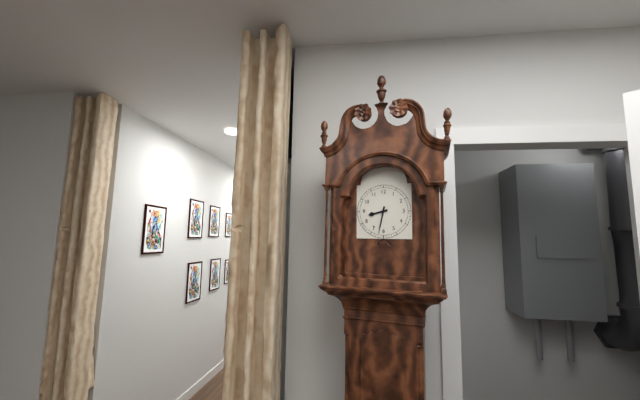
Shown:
8,32
